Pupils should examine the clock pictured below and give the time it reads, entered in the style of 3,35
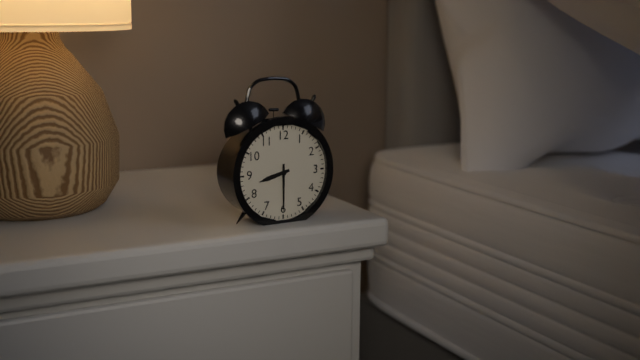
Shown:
8,30
